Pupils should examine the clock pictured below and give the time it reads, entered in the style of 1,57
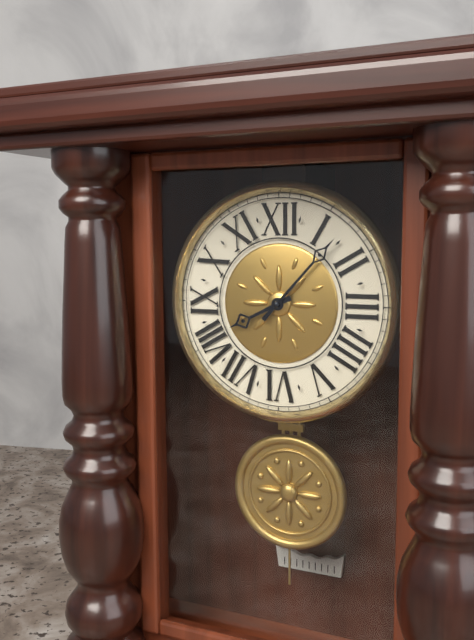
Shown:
8,07
